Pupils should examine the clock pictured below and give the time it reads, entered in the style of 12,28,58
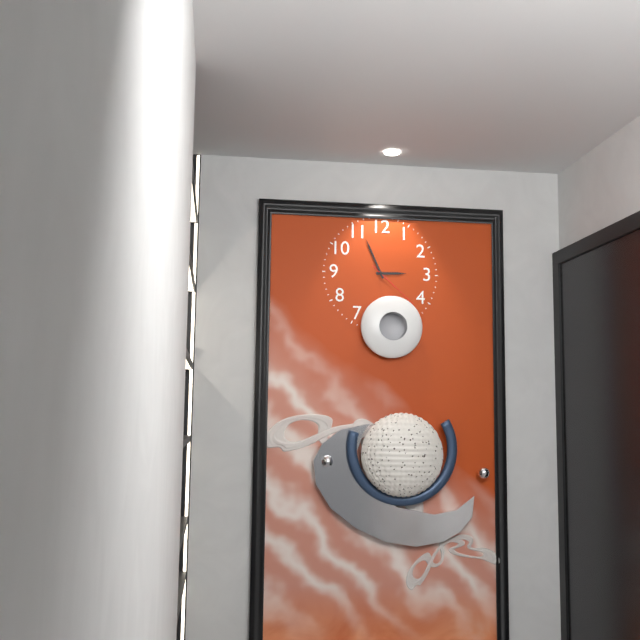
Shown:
2,56,22
